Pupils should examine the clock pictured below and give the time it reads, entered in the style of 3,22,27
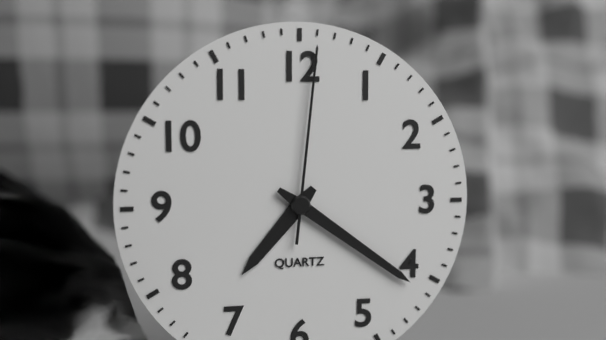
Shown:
7,21,01
